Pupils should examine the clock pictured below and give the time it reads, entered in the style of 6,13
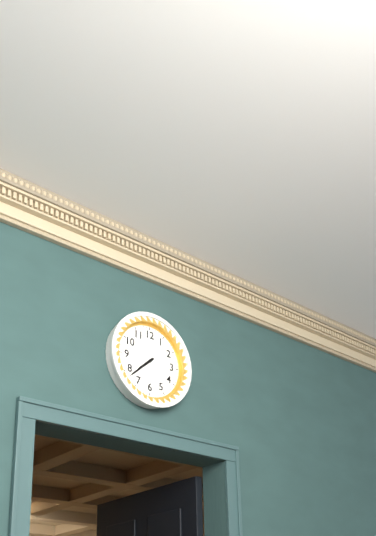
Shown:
7,38
